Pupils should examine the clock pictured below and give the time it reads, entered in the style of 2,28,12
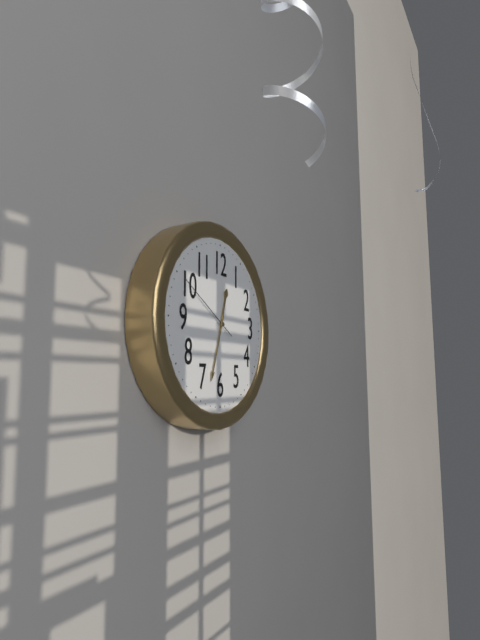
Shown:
12,33,50
